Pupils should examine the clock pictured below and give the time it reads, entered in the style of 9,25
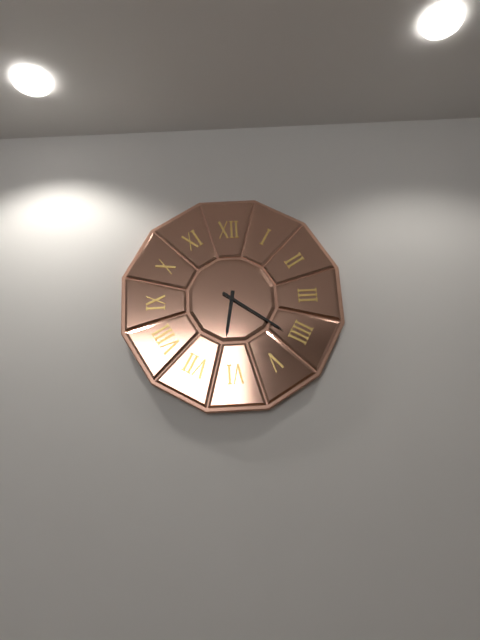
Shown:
6,21
